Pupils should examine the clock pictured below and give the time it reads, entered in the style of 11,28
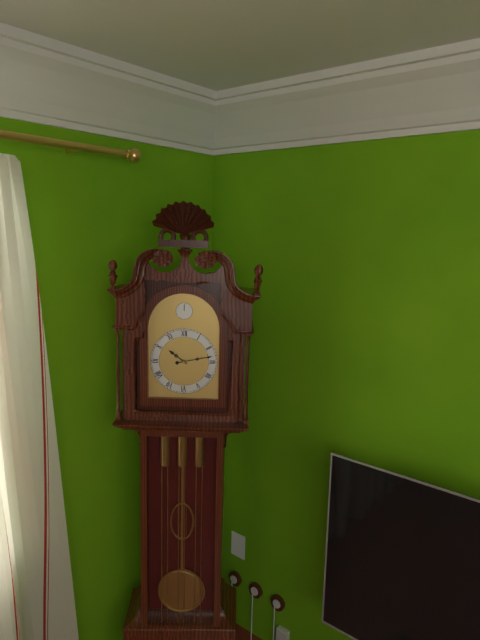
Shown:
10,13
